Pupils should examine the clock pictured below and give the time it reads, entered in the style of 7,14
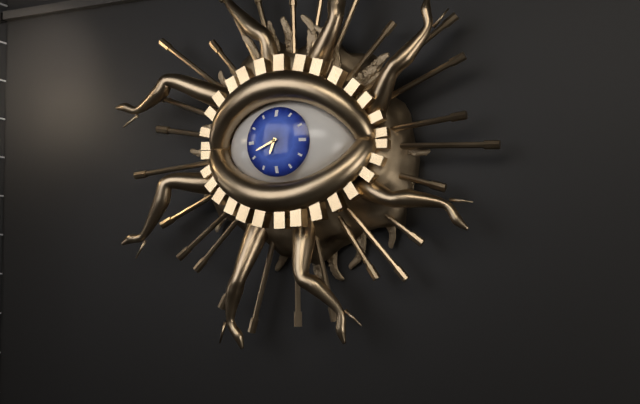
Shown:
6,41
